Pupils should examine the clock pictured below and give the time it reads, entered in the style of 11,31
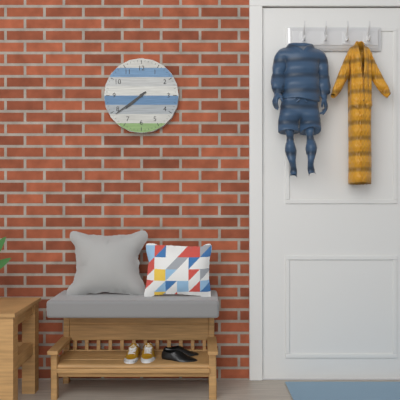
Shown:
7,39
